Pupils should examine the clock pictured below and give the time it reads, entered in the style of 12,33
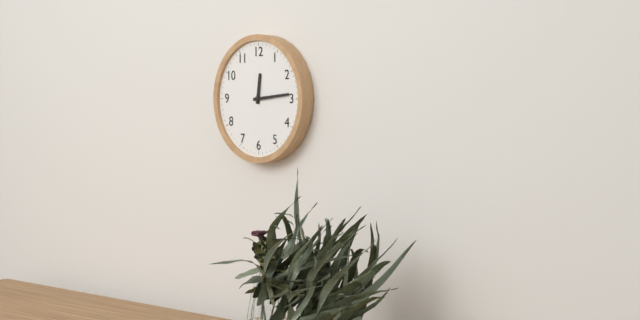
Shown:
12,14
